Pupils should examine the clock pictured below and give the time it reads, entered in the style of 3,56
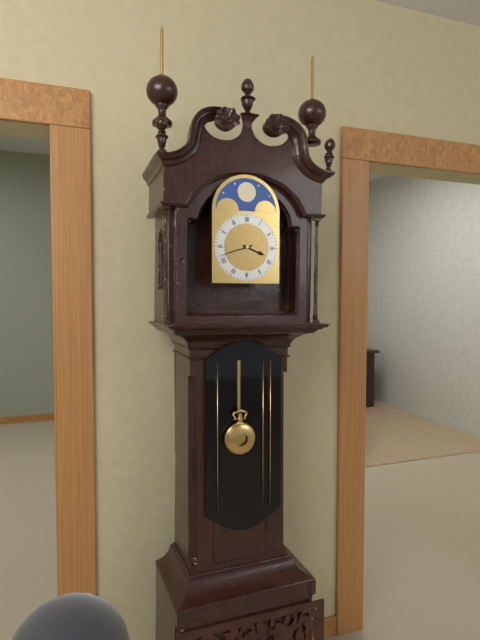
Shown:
3,42
